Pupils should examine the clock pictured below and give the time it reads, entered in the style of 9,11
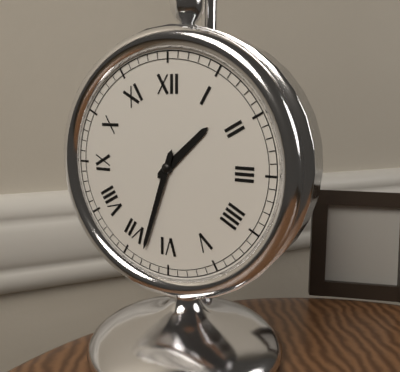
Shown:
1,33
